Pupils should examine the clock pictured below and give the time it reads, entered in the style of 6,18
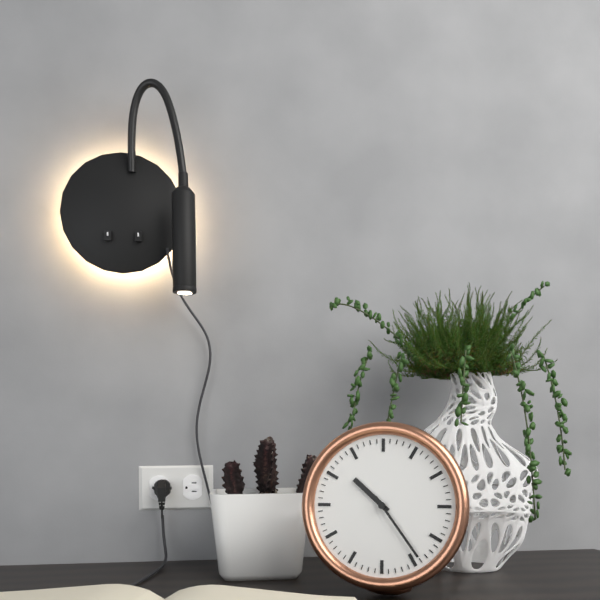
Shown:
10,24
